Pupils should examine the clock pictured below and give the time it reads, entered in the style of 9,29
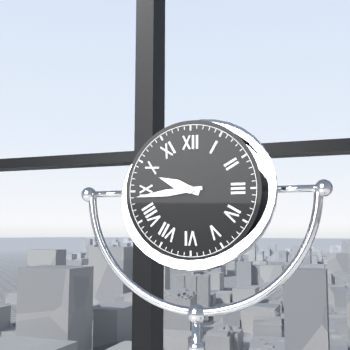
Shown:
9,44
